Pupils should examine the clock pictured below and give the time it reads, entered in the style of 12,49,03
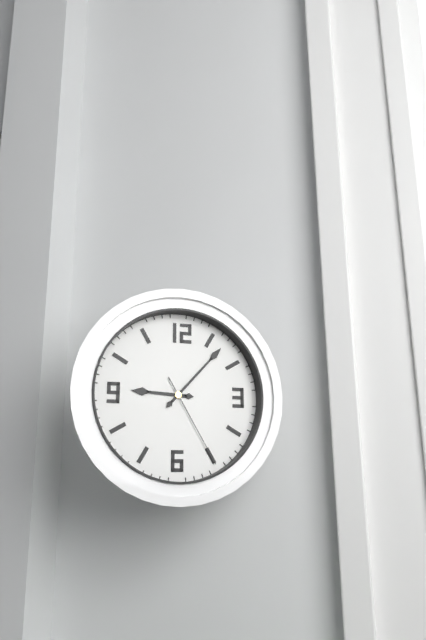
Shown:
9,07,25
